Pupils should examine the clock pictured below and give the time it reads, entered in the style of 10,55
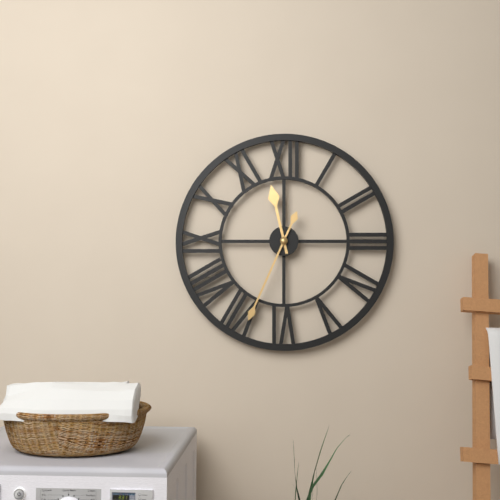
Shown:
11,34
